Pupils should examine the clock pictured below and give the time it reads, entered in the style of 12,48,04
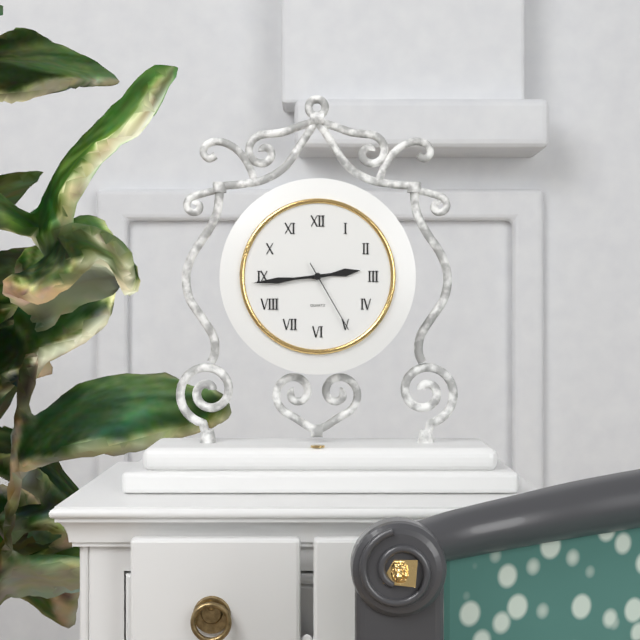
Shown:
2,44,25
